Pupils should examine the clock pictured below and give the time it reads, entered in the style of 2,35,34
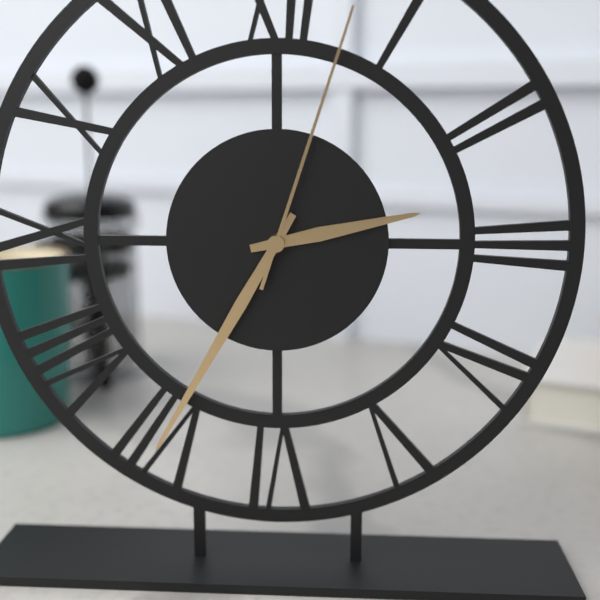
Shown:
2,35,03
